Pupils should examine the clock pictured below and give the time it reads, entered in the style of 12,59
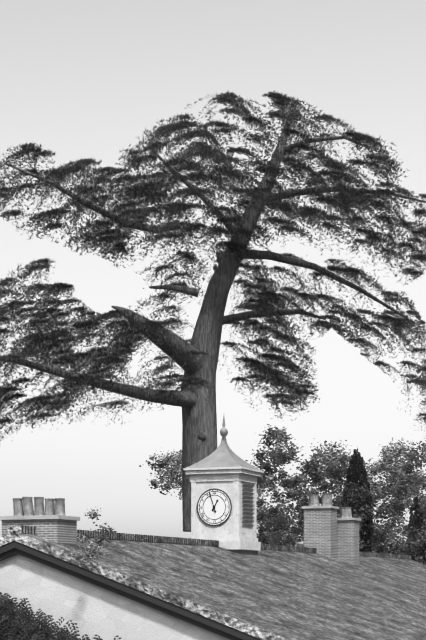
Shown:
12,57
